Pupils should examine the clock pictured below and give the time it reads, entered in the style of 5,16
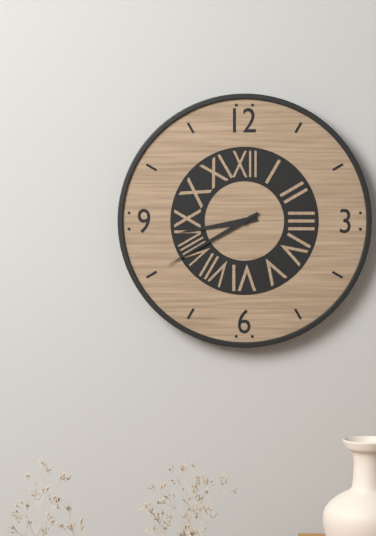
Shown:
8,40
